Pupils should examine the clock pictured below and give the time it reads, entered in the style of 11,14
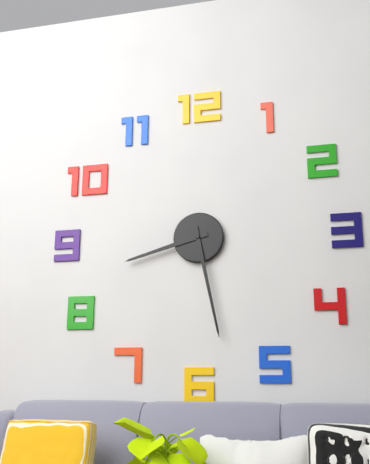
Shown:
8,28
